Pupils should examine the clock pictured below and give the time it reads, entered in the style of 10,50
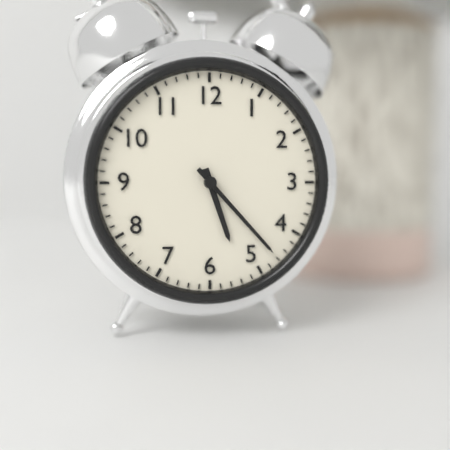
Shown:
5,23
